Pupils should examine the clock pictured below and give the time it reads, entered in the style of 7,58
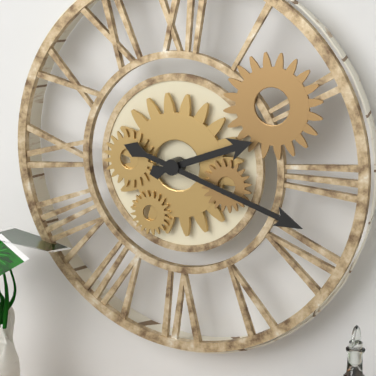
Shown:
2,18
